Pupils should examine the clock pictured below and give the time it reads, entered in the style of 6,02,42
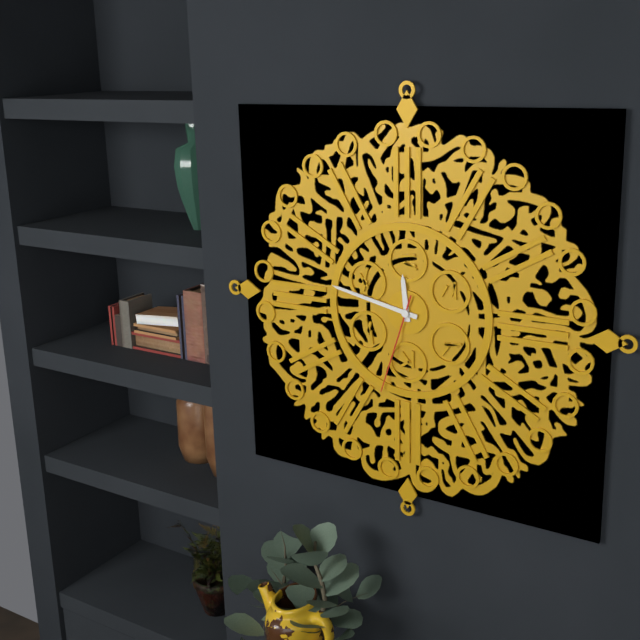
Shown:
11,47,33
